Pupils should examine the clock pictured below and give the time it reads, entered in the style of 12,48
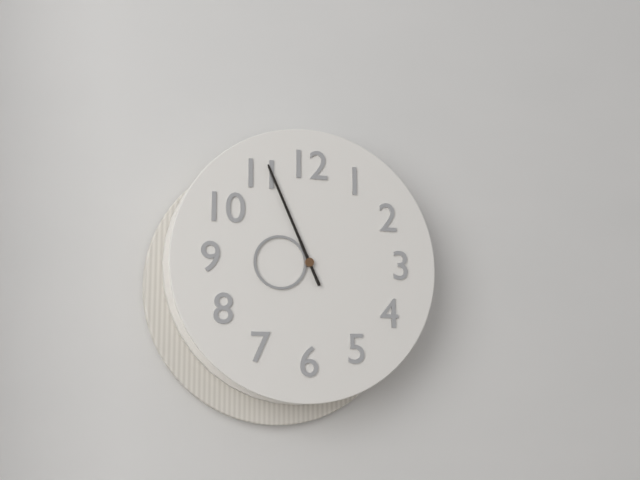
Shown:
8,56
